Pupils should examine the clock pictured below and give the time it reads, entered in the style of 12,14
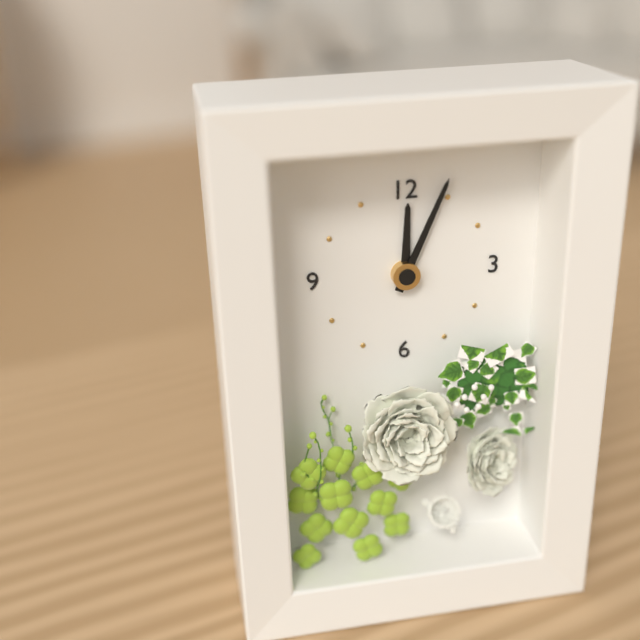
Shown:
12,04
